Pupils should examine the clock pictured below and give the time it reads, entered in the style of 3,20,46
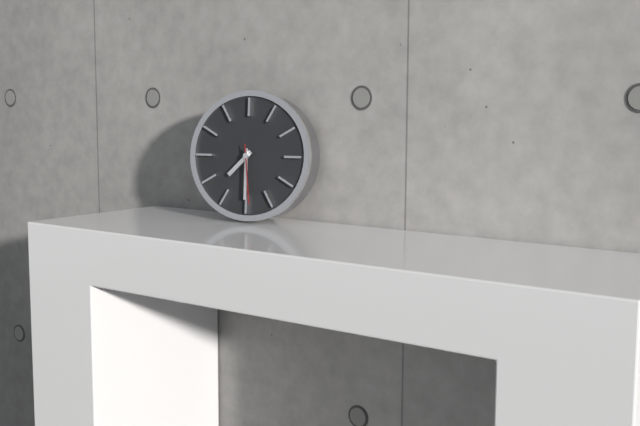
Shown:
7,30,29
